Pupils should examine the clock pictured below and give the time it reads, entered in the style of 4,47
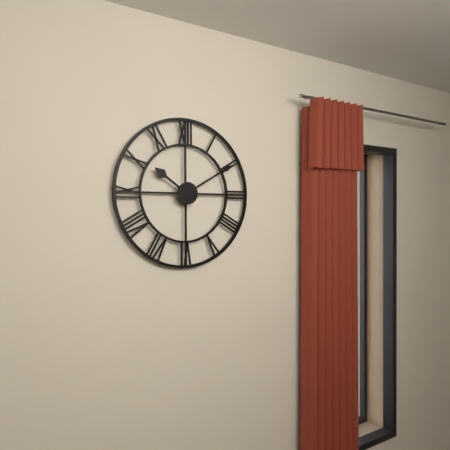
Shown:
10,10
